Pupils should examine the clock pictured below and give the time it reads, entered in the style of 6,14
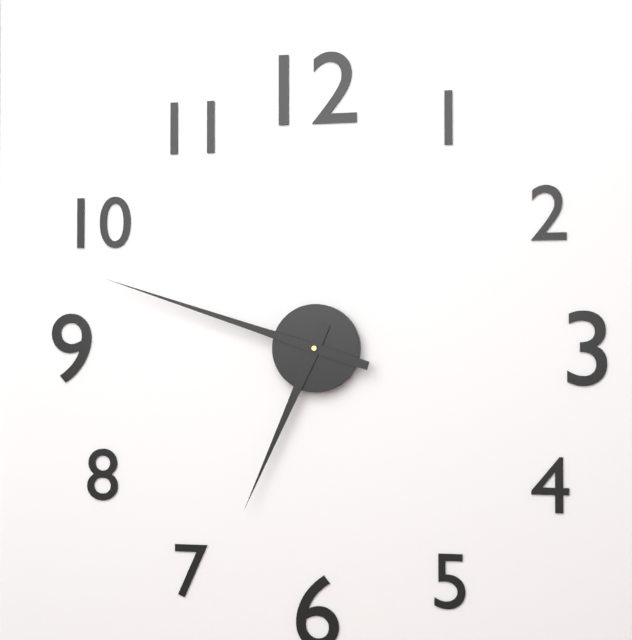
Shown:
6,48
